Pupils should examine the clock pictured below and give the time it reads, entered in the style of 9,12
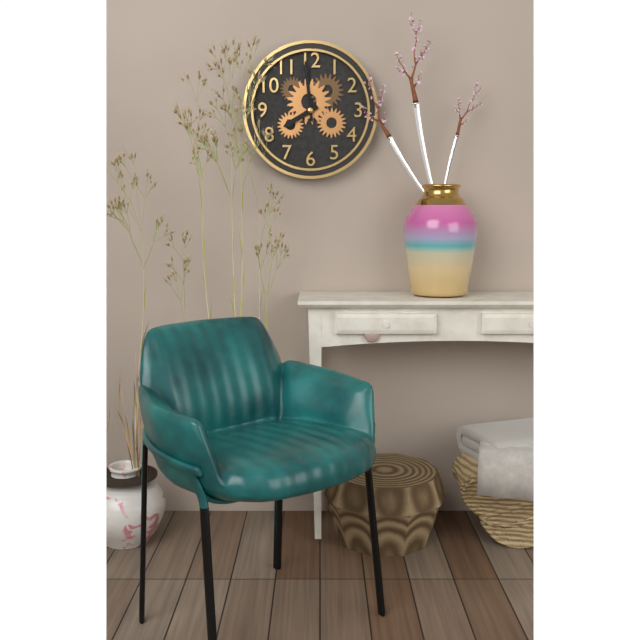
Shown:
7,59
